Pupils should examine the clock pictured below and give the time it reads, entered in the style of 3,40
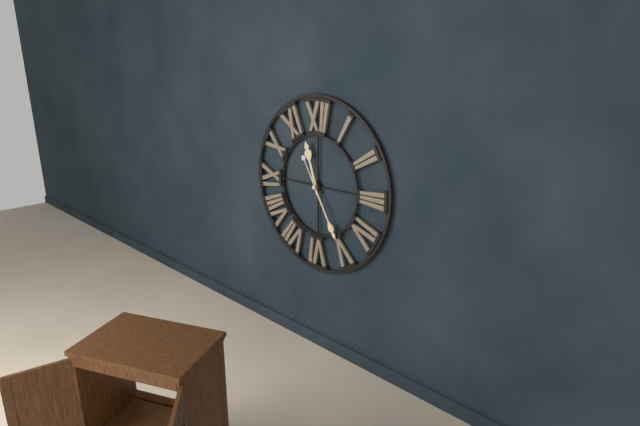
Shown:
11,25
